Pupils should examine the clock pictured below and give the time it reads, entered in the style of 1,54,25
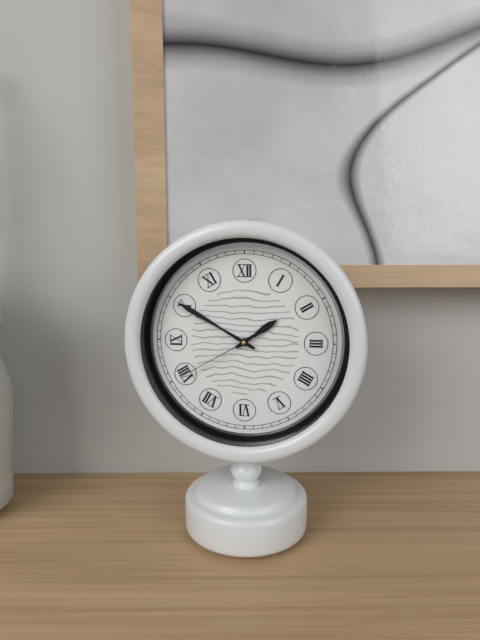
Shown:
1,50,40
